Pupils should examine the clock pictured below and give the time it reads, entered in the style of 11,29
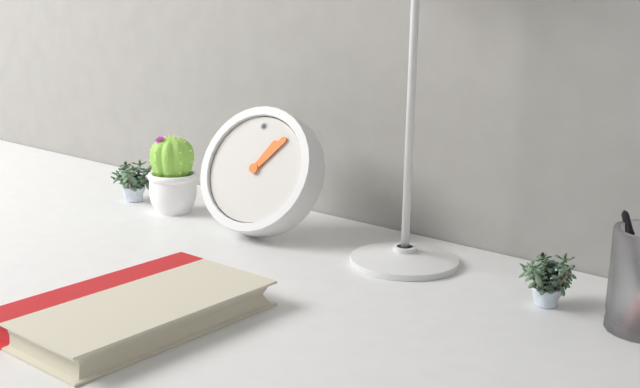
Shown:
1,07
